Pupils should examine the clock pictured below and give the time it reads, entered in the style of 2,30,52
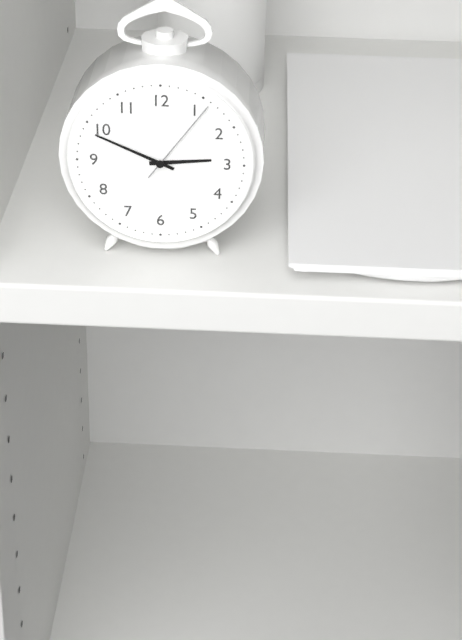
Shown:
2,49,06
